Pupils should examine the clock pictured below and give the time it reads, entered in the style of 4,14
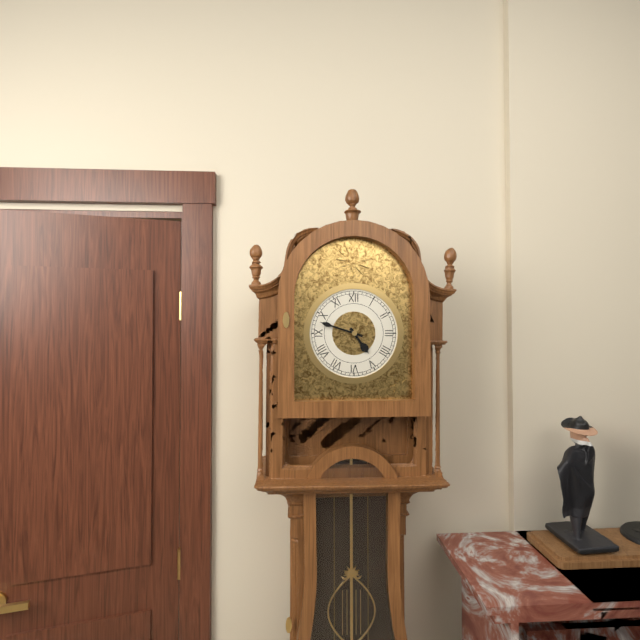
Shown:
4,48
